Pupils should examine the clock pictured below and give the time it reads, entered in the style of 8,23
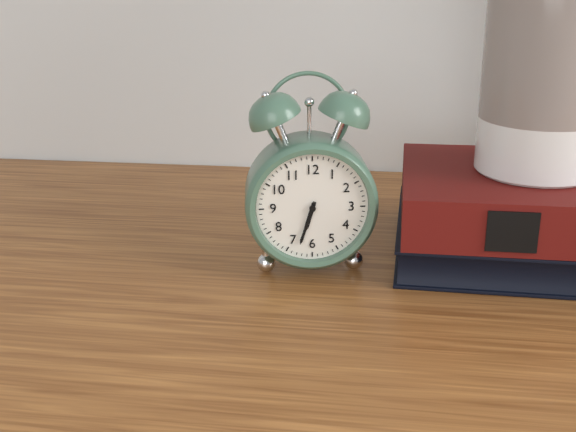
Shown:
6,33
